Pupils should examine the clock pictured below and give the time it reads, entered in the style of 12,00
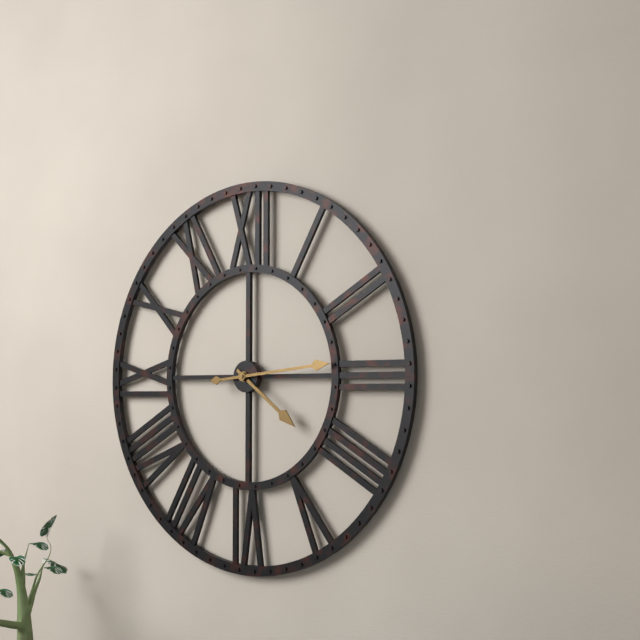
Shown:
4,14
